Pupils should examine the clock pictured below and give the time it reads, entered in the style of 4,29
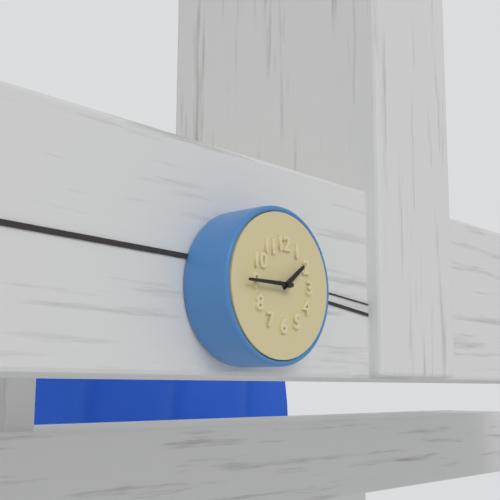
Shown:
1,45
